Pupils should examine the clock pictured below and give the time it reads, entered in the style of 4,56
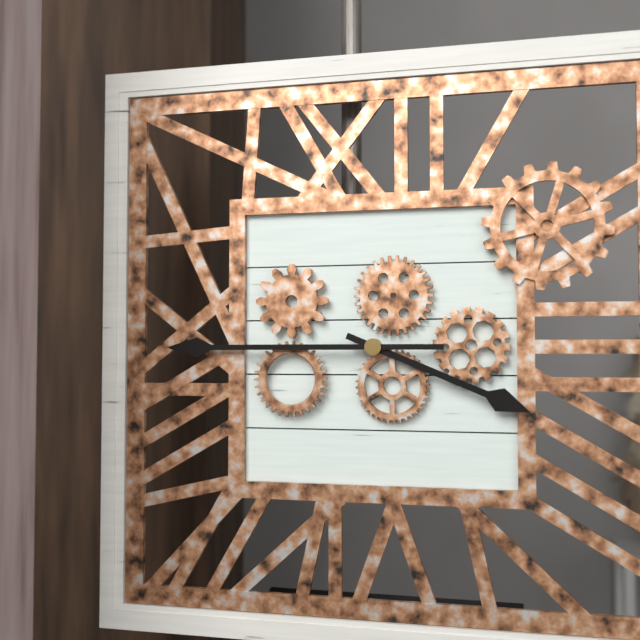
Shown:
3,45
